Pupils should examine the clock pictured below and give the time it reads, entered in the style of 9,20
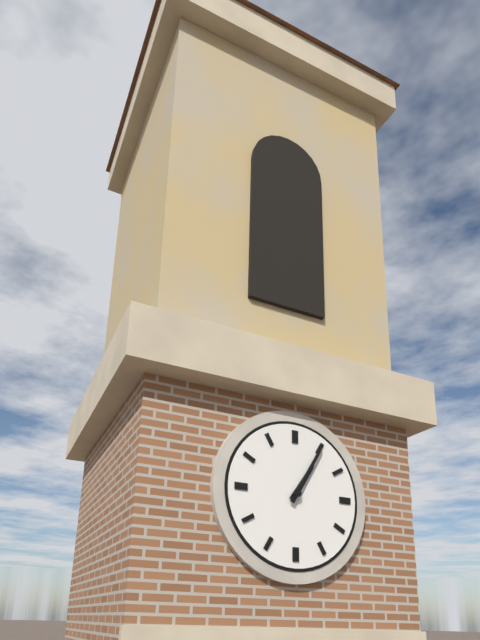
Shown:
1,05
